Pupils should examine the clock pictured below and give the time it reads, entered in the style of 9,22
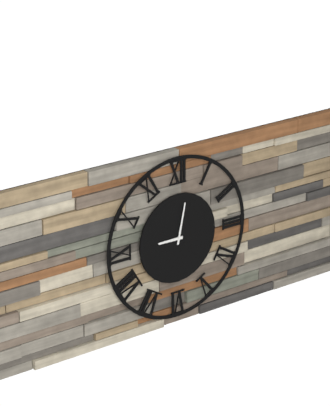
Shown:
9,02
